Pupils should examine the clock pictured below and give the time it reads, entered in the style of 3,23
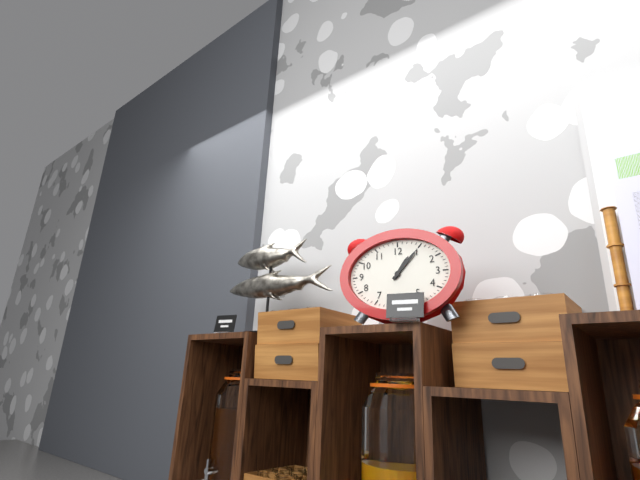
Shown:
1,07
